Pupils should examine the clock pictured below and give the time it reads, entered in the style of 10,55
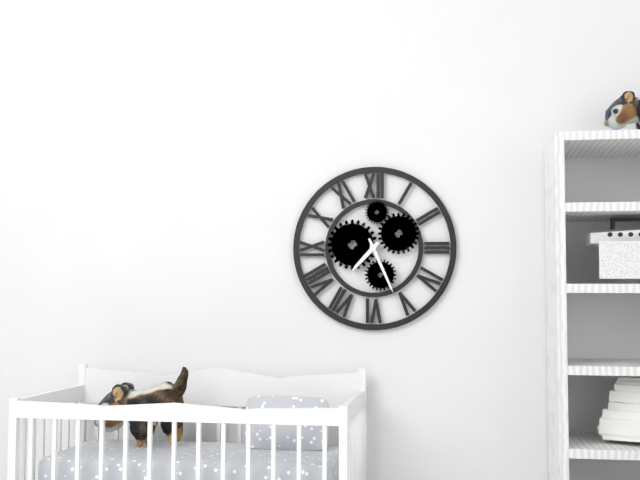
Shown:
7,26
